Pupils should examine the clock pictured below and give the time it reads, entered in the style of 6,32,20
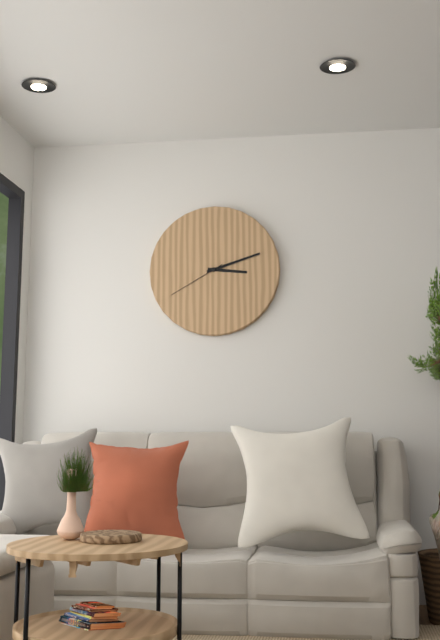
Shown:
3,12,40
